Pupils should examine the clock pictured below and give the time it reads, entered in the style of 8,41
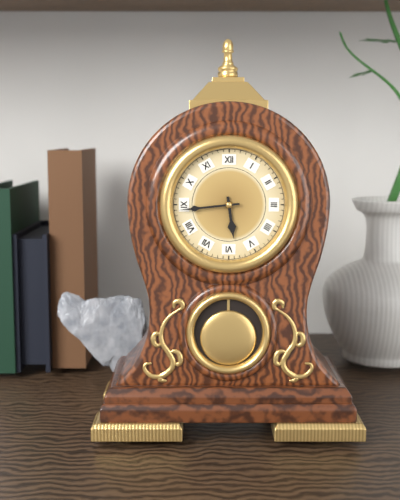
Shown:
5,44
